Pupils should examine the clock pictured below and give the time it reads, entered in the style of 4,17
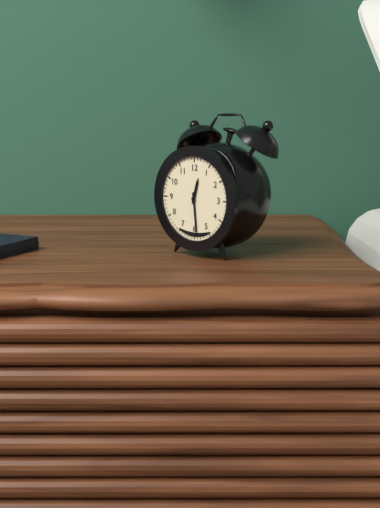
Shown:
12,29
